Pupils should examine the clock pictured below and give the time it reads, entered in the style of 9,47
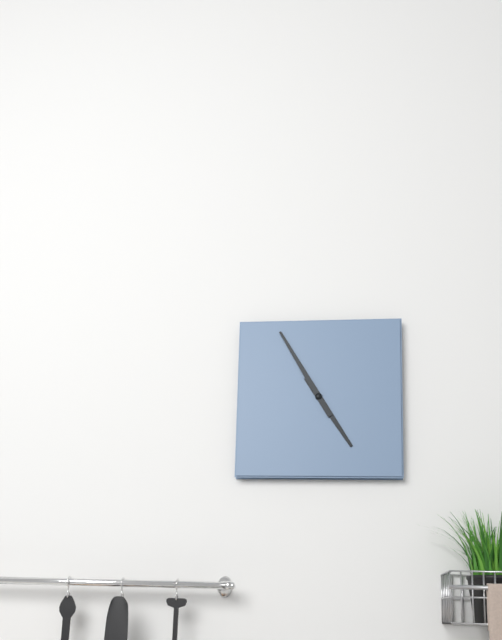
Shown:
4,55
